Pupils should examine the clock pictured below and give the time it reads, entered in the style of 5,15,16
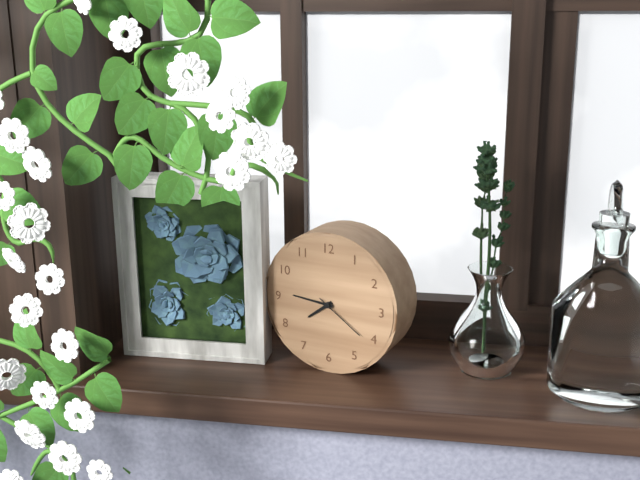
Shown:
7,46,21
